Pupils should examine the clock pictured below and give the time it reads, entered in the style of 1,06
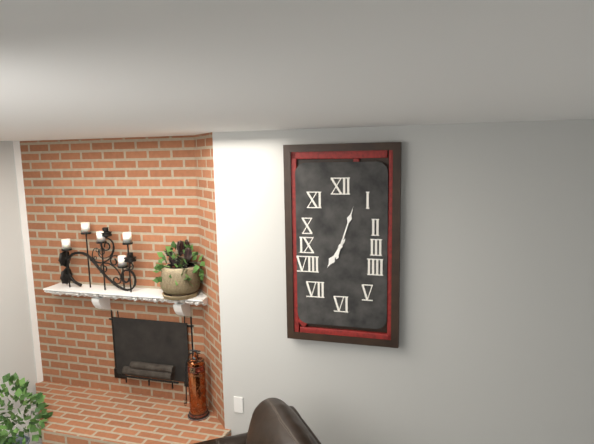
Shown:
7,03
